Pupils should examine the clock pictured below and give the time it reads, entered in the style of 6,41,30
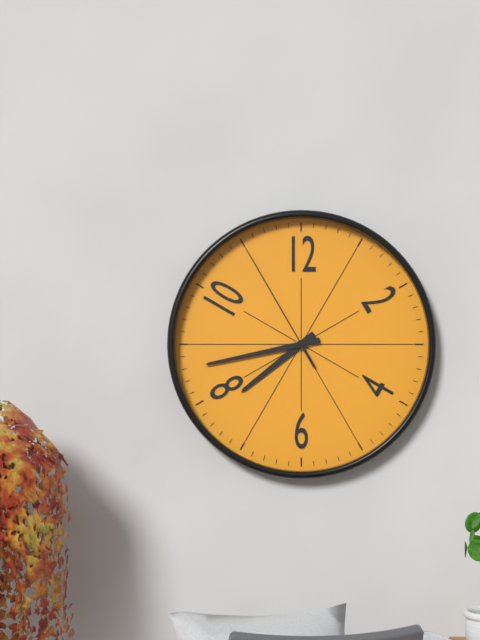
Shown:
7,43,55
